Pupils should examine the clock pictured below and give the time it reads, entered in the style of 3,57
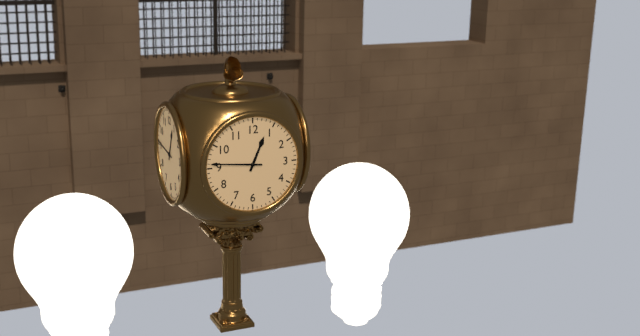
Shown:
12,46
